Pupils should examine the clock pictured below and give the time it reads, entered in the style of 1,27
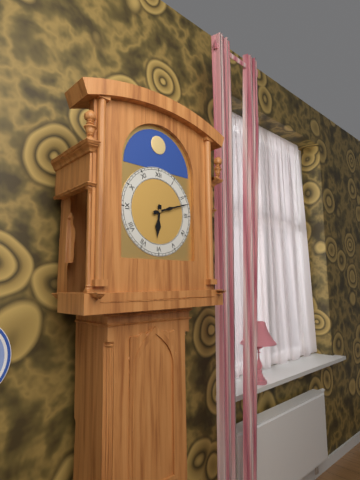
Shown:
6,12
